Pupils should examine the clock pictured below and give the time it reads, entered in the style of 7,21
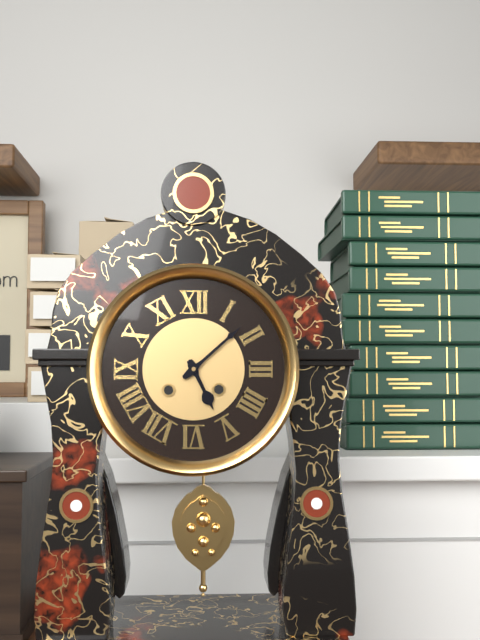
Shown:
5,08
